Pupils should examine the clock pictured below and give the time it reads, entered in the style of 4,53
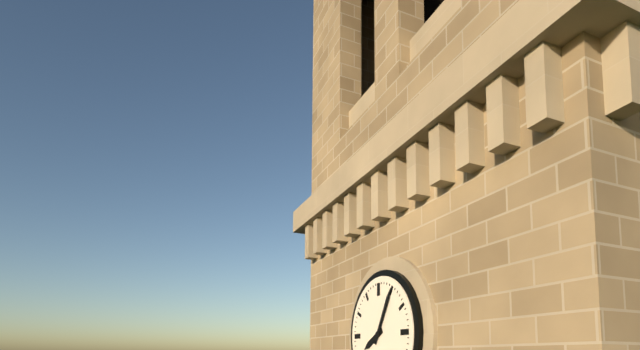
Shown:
8,05
